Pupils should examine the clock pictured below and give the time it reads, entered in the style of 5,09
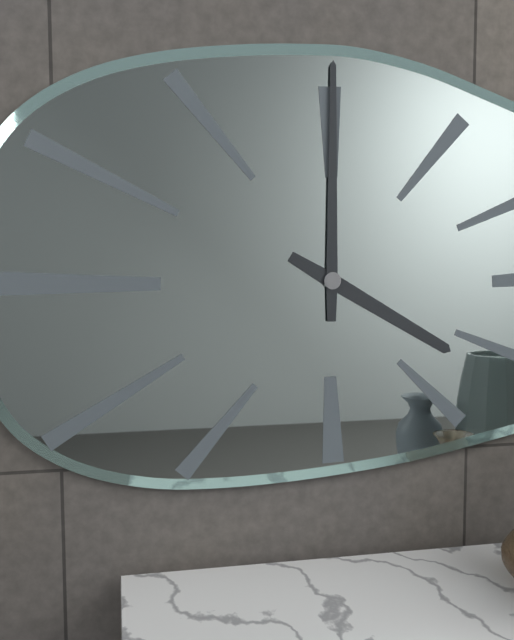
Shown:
4,00
